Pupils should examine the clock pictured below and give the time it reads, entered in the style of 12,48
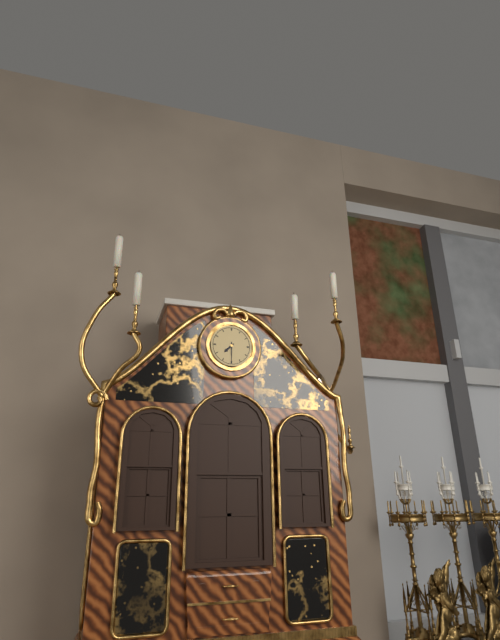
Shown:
7,30
